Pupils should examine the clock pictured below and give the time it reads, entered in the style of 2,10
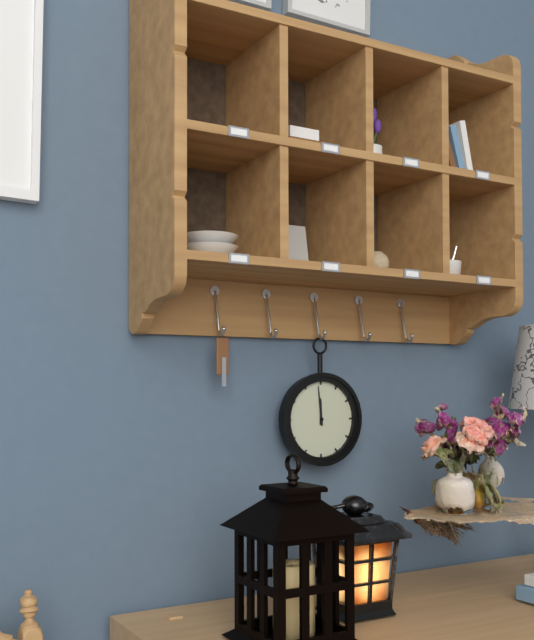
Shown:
11,59
